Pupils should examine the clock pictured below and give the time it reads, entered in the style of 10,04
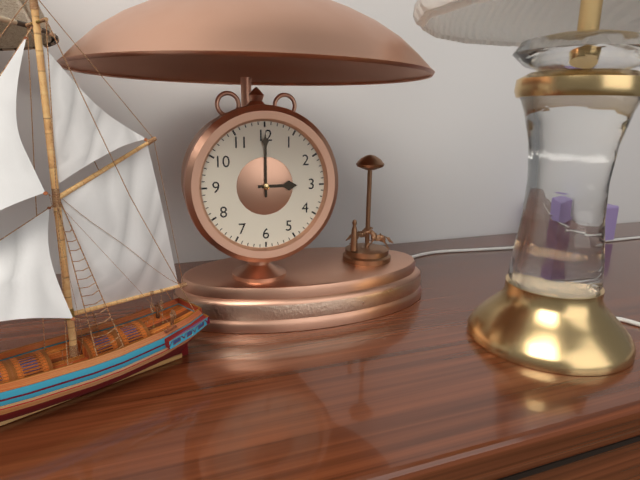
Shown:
3,00
